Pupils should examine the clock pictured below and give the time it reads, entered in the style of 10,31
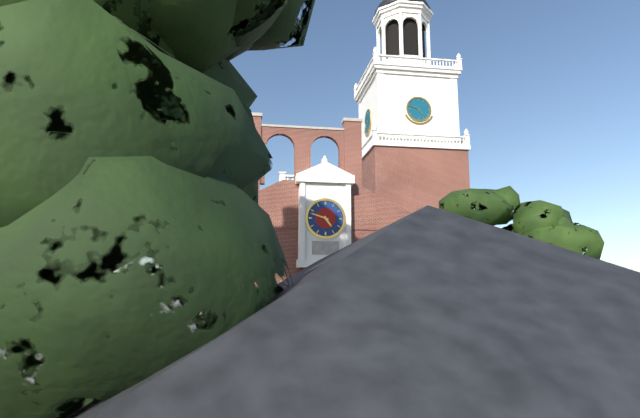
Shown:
4,48
